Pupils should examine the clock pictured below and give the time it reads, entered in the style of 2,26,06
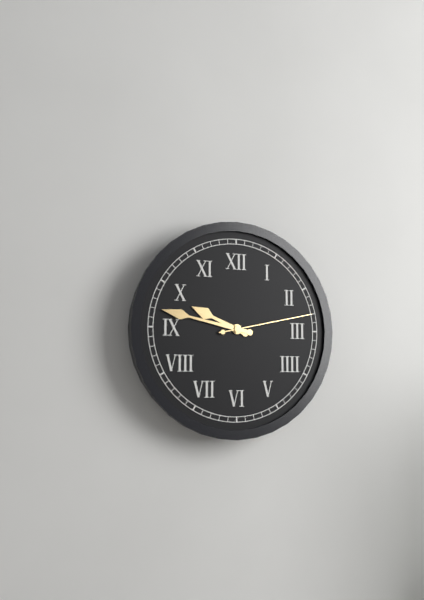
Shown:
9,47,13
